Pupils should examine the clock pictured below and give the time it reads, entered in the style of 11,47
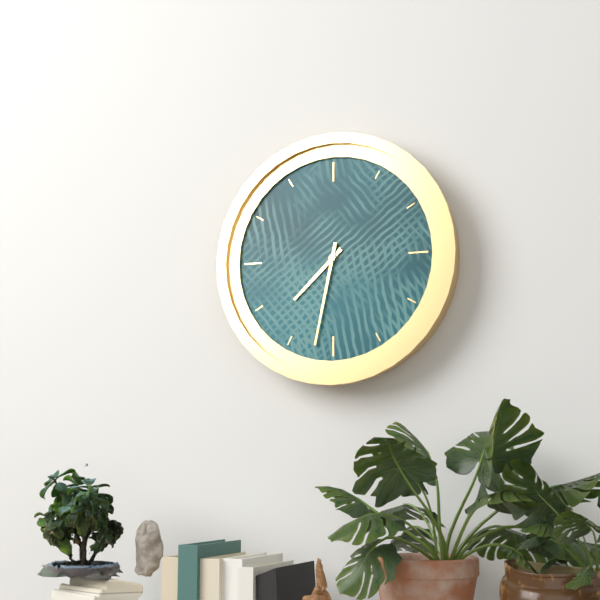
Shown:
7,32
